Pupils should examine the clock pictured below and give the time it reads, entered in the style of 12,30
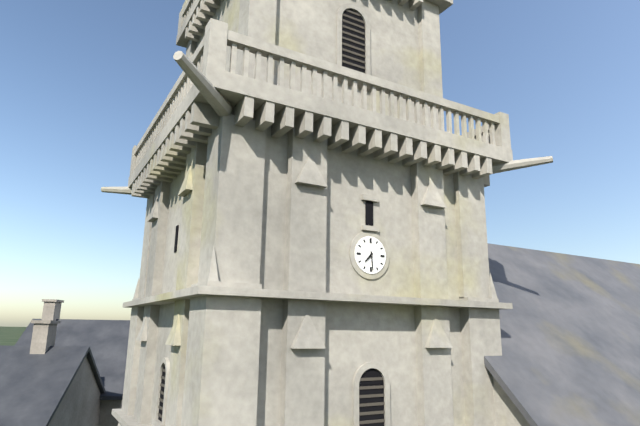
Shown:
7,29
